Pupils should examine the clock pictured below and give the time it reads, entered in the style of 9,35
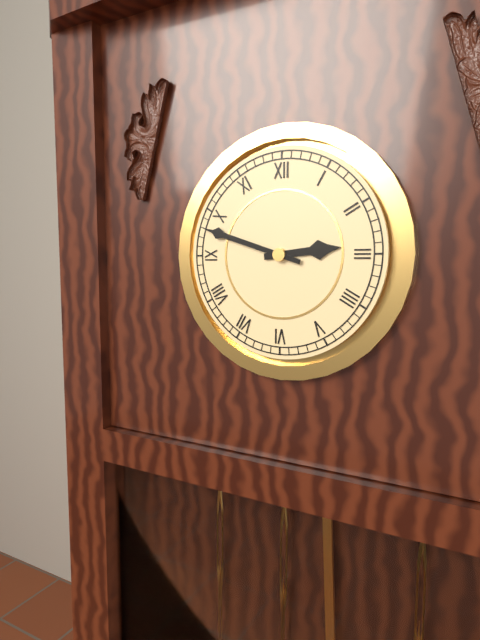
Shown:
2,48
